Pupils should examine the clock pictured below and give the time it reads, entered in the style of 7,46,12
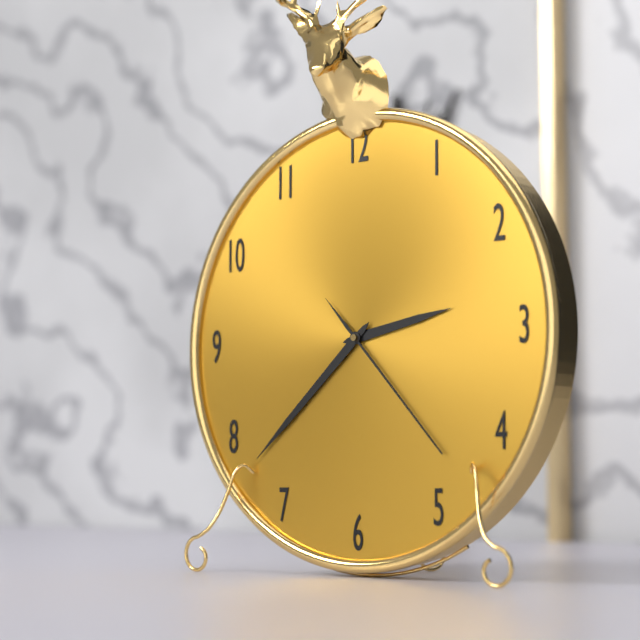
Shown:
2,38,23
